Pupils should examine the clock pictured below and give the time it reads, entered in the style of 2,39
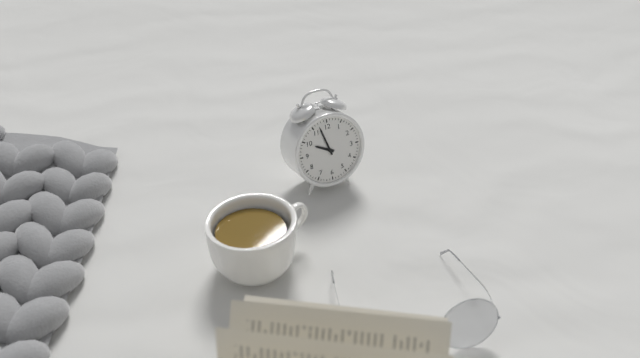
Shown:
9,57
